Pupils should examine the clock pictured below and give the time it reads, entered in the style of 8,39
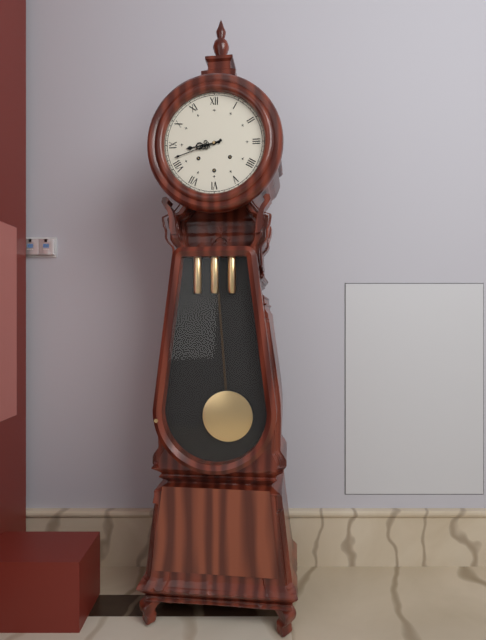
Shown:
8,42
